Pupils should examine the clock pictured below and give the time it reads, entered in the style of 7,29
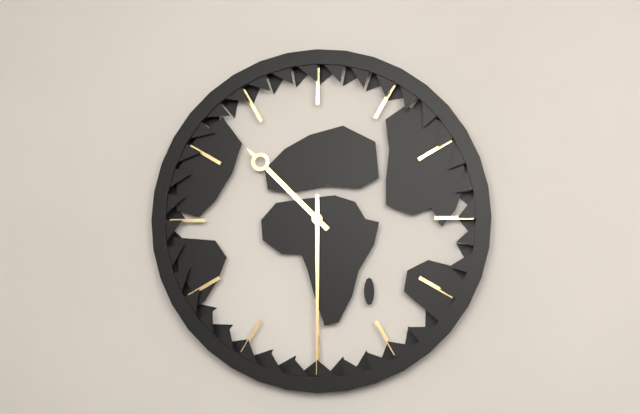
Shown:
10,30
